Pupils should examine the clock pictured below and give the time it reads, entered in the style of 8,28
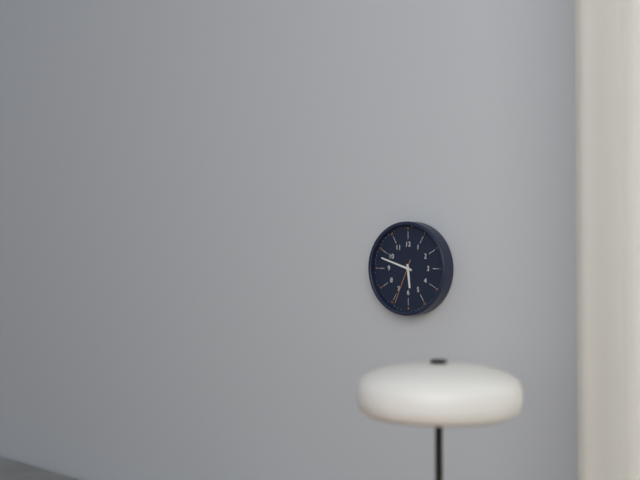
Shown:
5,48
